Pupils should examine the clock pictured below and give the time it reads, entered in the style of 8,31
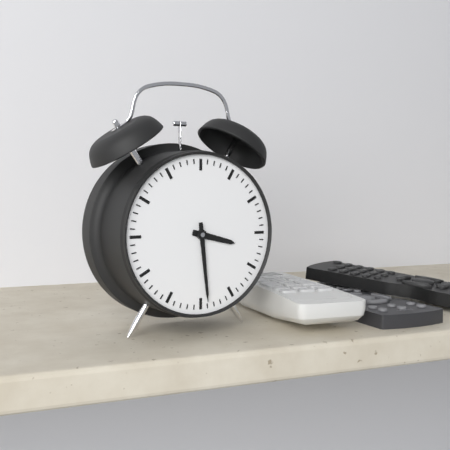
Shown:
3,29
